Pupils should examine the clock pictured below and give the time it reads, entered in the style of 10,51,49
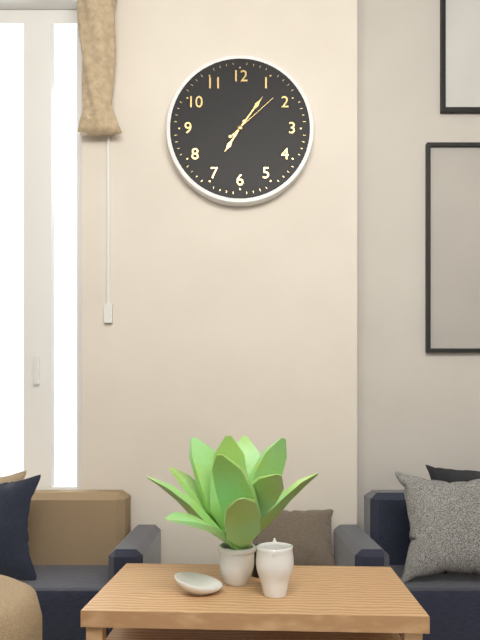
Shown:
7,06,08
